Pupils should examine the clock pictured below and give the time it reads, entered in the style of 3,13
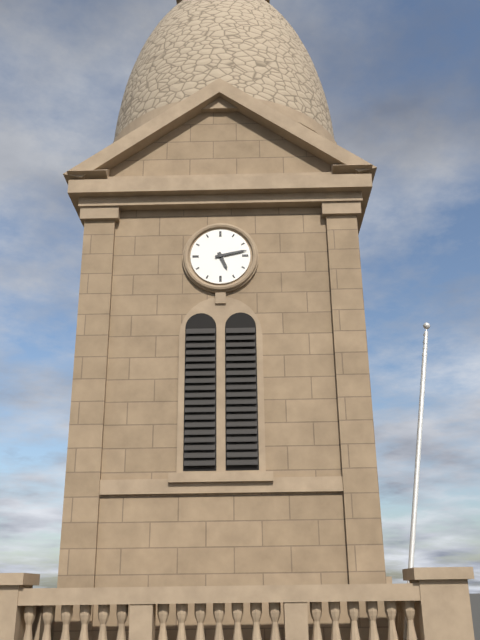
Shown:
5,13
